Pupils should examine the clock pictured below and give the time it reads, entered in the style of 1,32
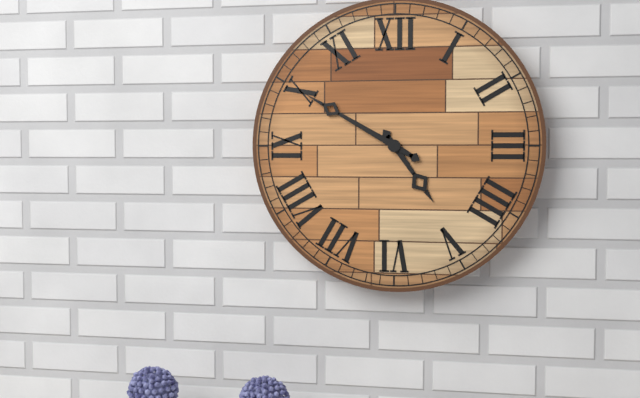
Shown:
4,50
